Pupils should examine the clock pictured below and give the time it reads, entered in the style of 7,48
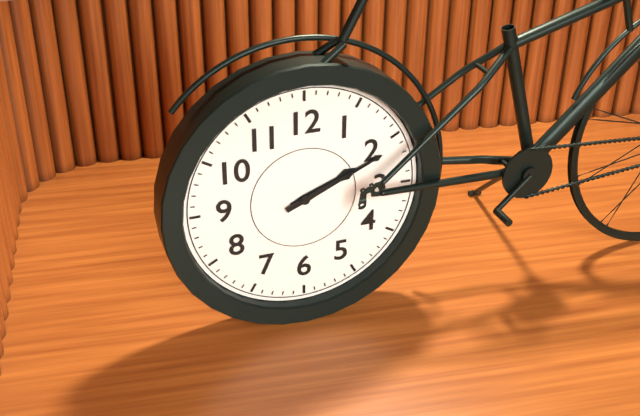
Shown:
2,11
